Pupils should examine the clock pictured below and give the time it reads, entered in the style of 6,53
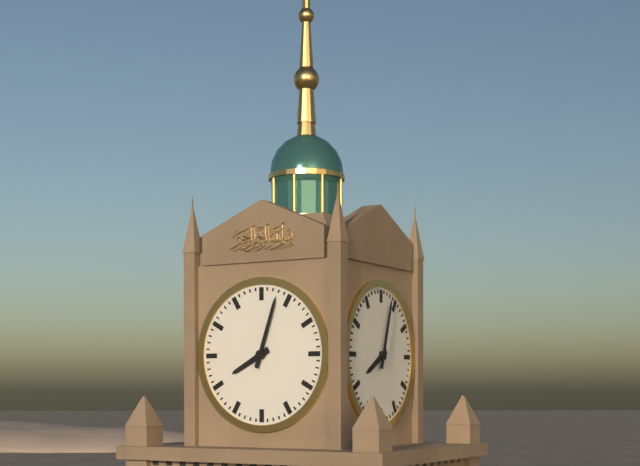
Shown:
8,03
